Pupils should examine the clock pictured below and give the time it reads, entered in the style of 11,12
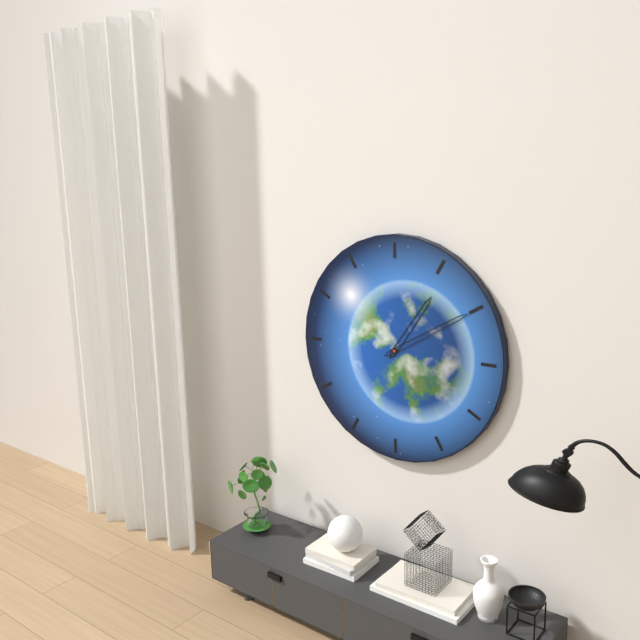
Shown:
1,10
